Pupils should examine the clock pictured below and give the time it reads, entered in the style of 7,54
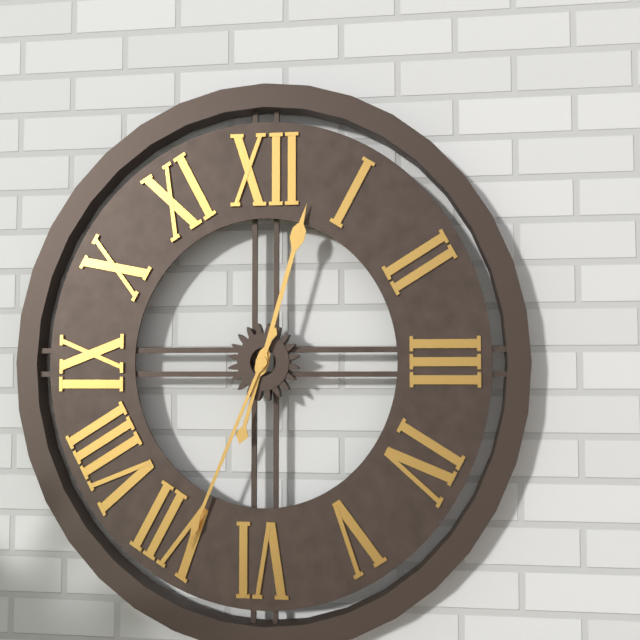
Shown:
12,34
